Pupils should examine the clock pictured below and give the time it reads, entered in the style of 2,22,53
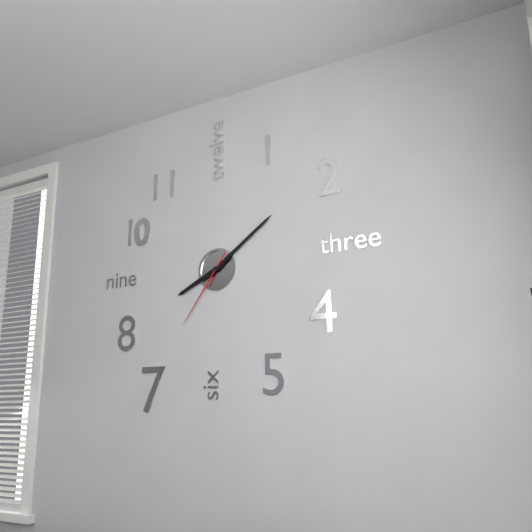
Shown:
8,09,36
